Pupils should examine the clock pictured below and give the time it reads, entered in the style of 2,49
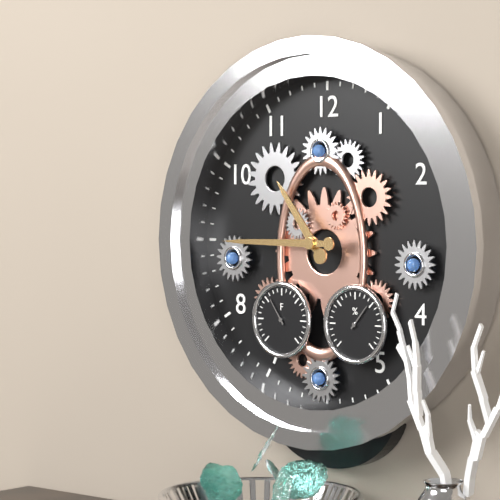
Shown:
10,45
